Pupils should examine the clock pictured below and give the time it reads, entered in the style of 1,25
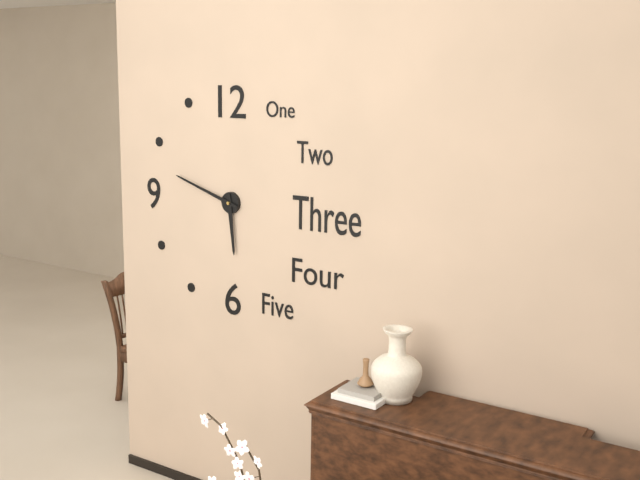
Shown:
5,48
